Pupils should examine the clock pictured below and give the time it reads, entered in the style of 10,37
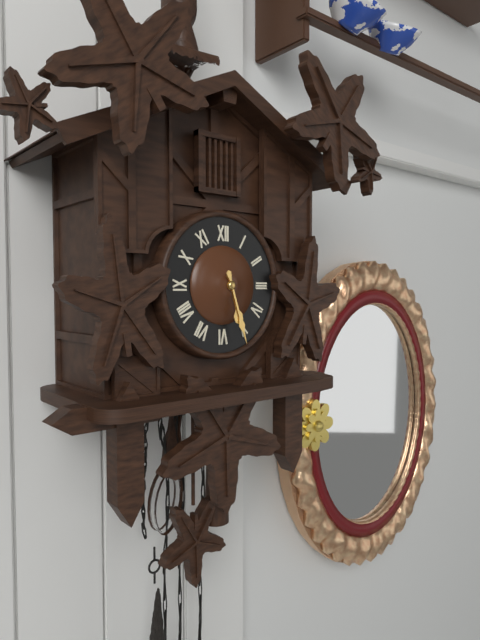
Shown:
5,27
